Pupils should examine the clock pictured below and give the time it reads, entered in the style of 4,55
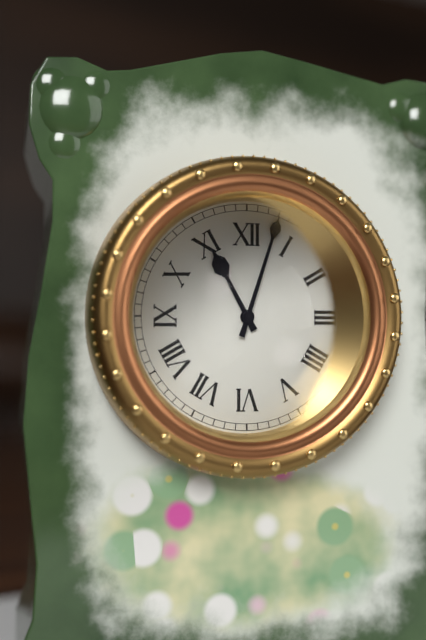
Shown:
11,03
